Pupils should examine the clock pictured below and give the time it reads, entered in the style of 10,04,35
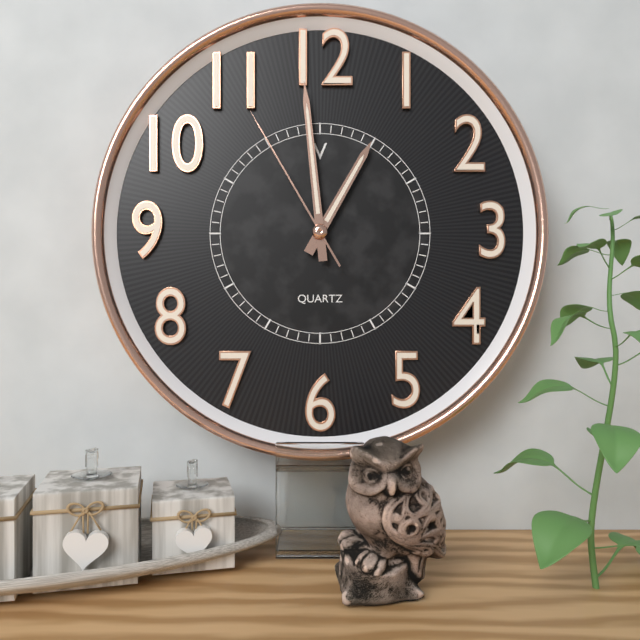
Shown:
12,59,55
